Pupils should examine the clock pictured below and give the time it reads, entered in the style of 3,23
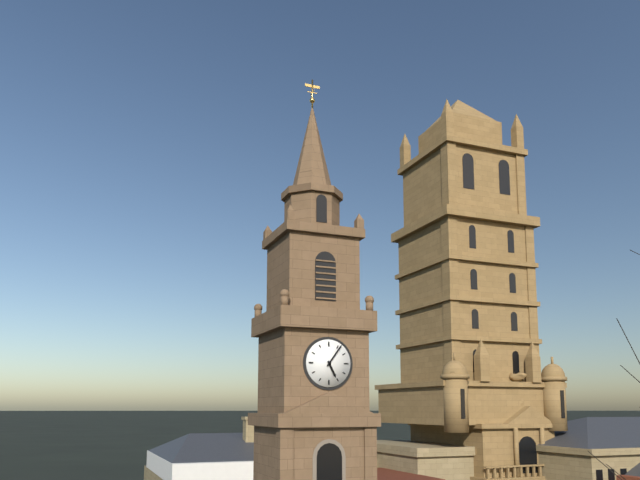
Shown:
5,06
